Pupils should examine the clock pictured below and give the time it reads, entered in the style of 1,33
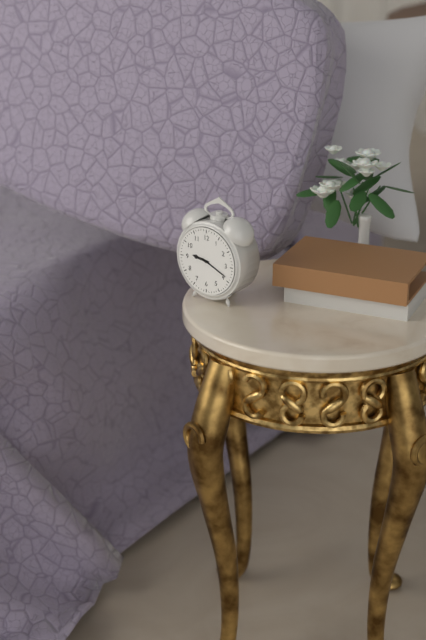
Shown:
9,19
